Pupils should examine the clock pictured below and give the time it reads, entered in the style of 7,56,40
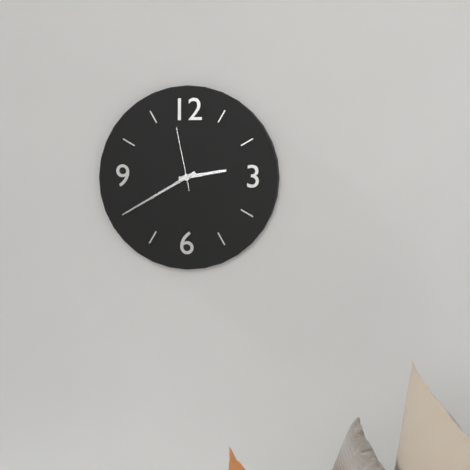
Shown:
2,40,58
